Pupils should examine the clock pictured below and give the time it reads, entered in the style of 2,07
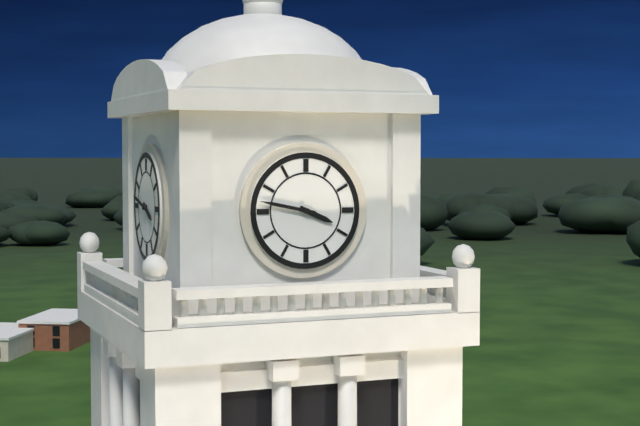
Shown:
3,47
